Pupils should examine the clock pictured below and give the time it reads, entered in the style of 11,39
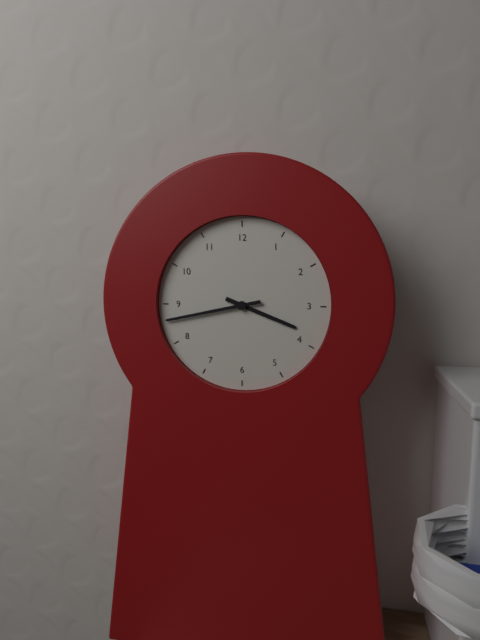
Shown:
3,43
